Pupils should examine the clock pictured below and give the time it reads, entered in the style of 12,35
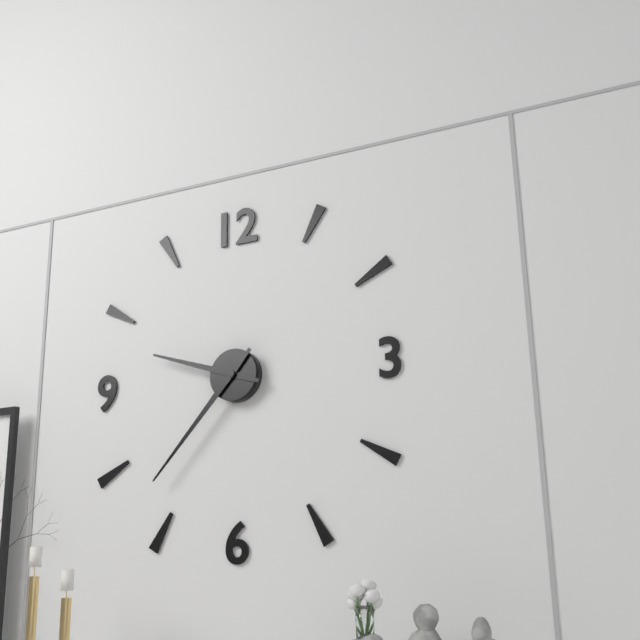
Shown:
9,37
